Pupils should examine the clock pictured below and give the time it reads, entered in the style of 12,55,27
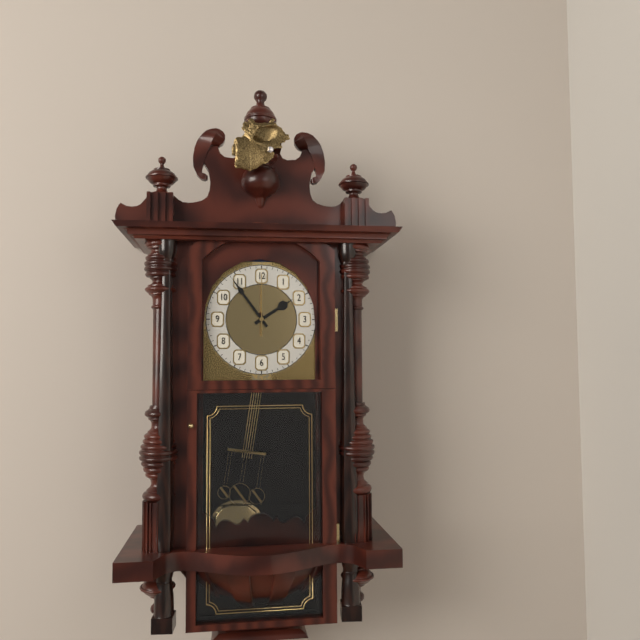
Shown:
1,54,00
